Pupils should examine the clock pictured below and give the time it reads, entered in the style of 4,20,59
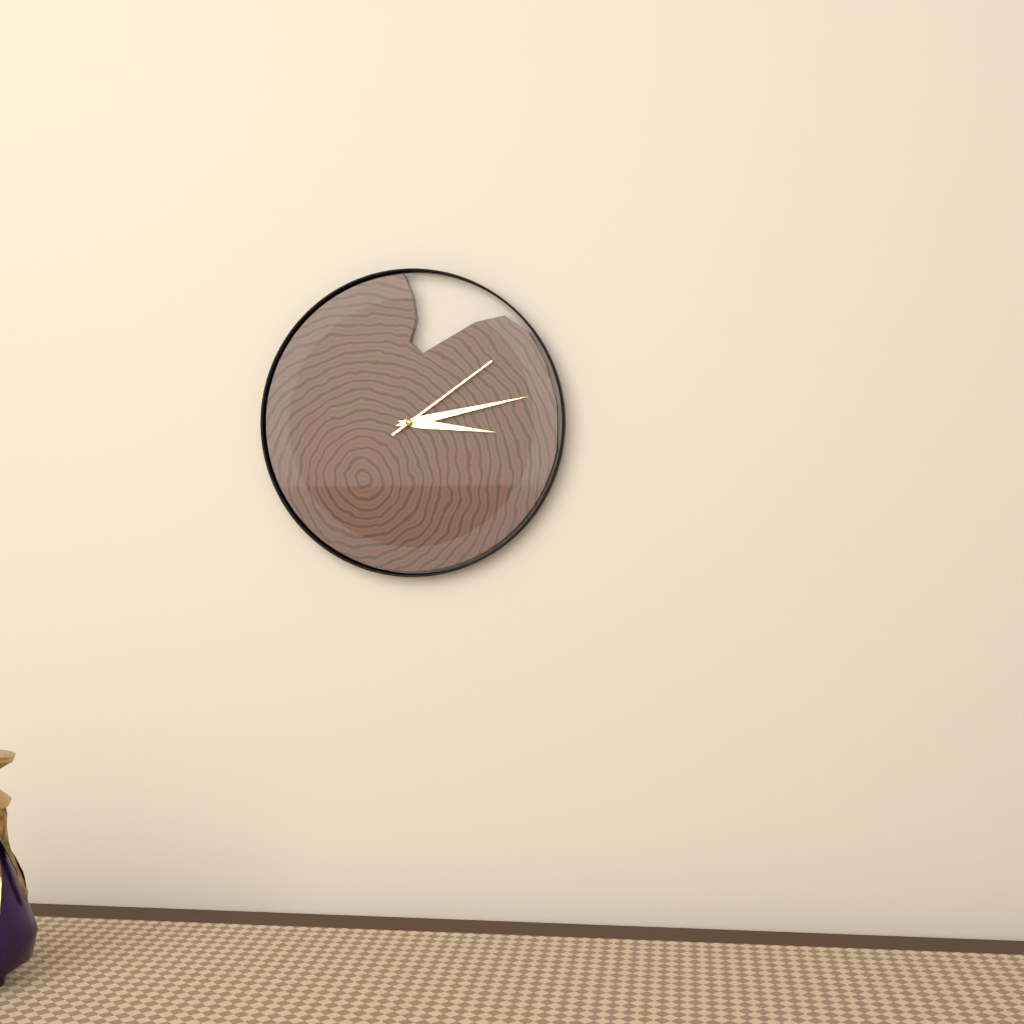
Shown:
3,13,09
